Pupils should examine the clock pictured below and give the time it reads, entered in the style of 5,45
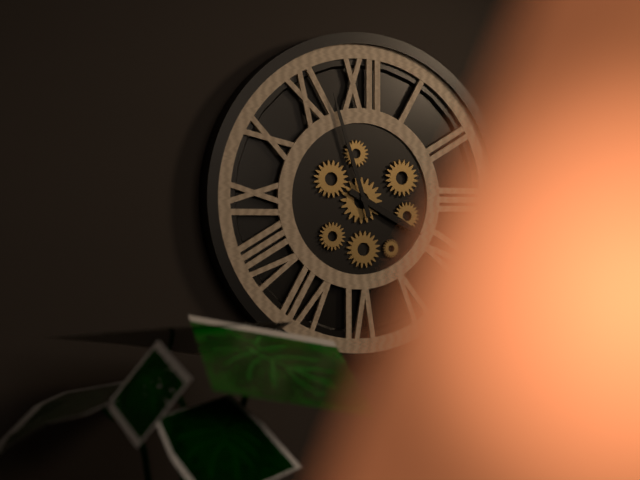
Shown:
3,57
